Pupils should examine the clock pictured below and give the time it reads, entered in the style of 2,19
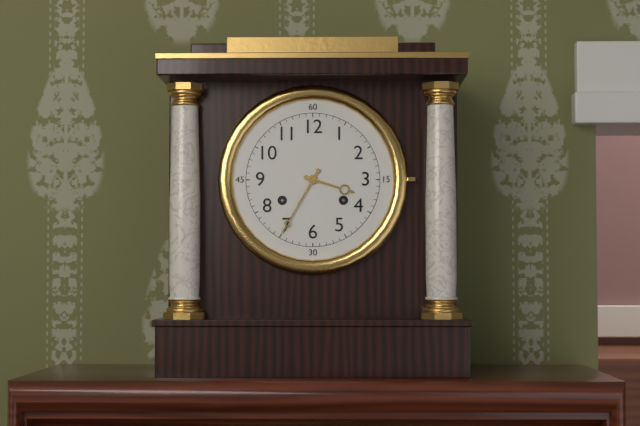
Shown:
3,35
